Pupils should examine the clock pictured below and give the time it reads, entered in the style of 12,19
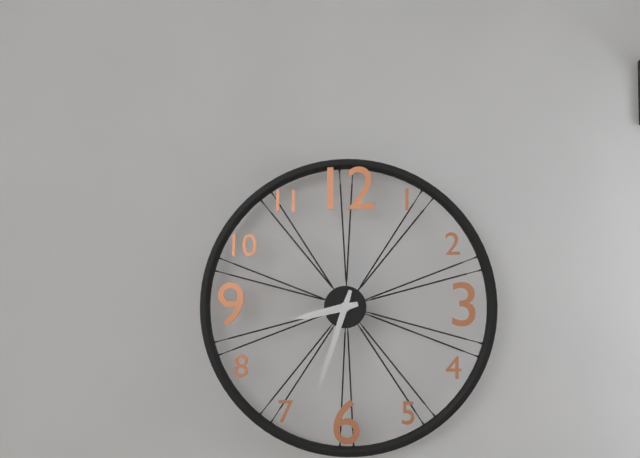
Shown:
8,33
